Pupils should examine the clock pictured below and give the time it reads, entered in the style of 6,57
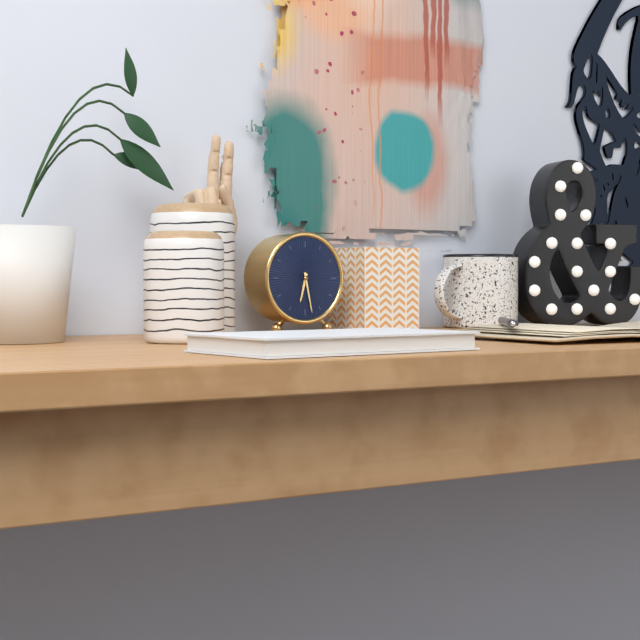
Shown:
6,28
